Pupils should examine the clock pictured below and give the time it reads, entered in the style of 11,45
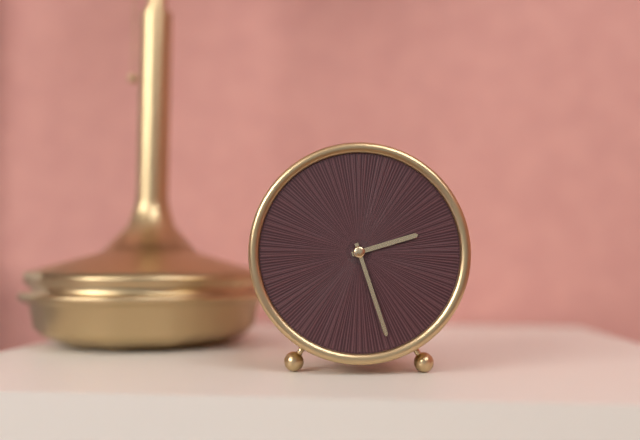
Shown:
2,27
